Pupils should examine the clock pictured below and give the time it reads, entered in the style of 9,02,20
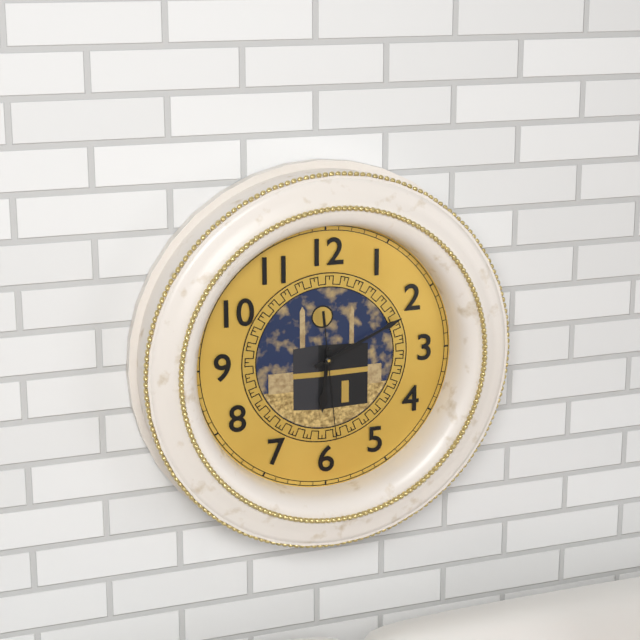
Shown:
6,11,29
